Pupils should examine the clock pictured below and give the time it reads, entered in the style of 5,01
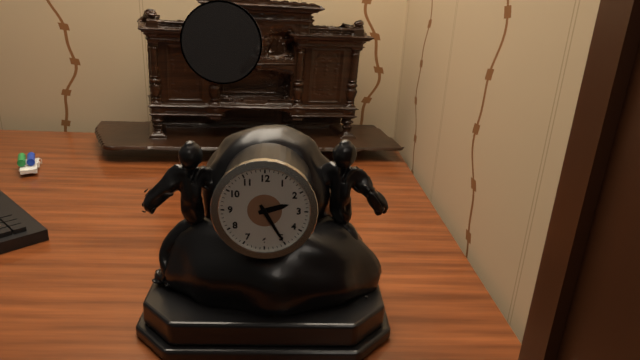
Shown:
2,25
